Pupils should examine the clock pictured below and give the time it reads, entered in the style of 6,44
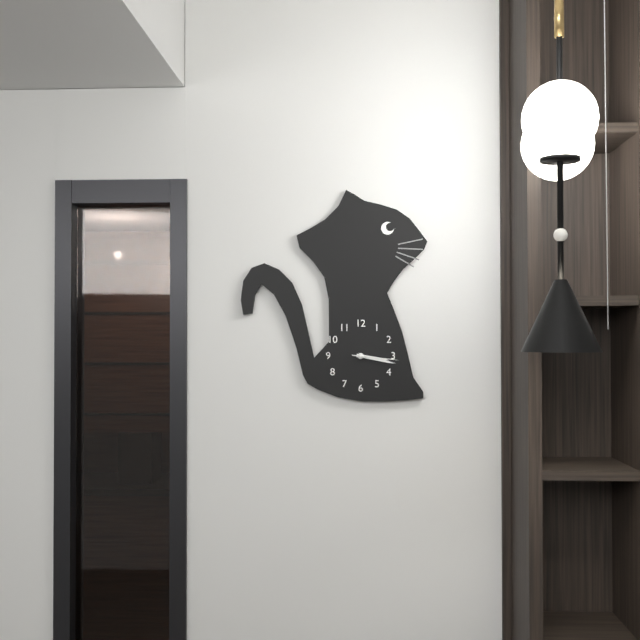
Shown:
3,17
